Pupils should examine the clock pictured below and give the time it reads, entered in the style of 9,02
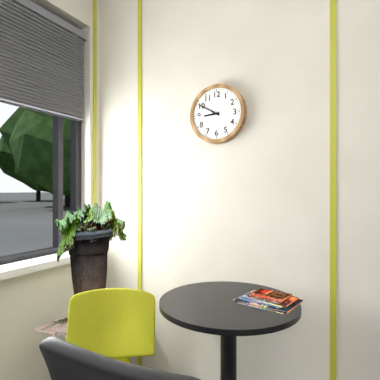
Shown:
8,50
